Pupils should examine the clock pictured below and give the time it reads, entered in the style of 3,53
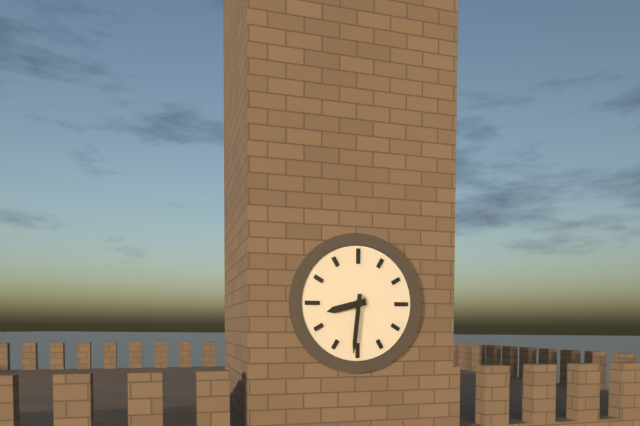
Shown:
8,31
